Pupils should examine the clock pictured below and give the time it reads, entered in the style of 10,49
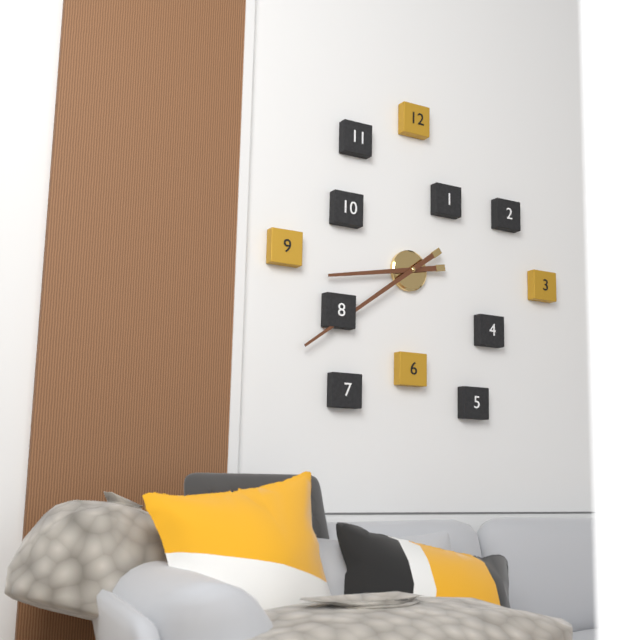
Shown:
8,39
